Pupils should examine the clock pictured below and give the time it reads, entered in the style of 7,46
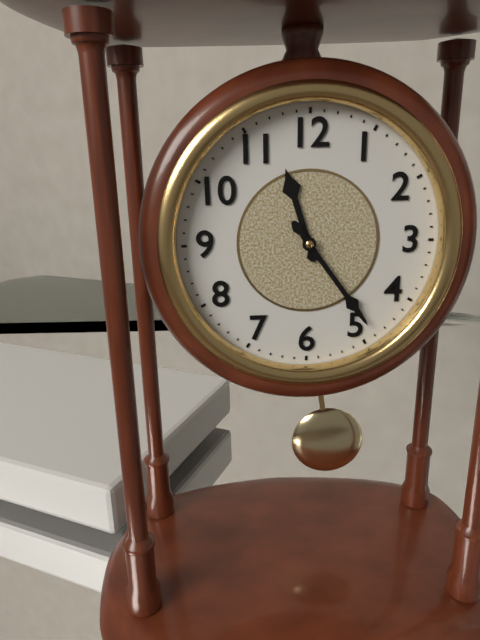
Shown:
11,24
